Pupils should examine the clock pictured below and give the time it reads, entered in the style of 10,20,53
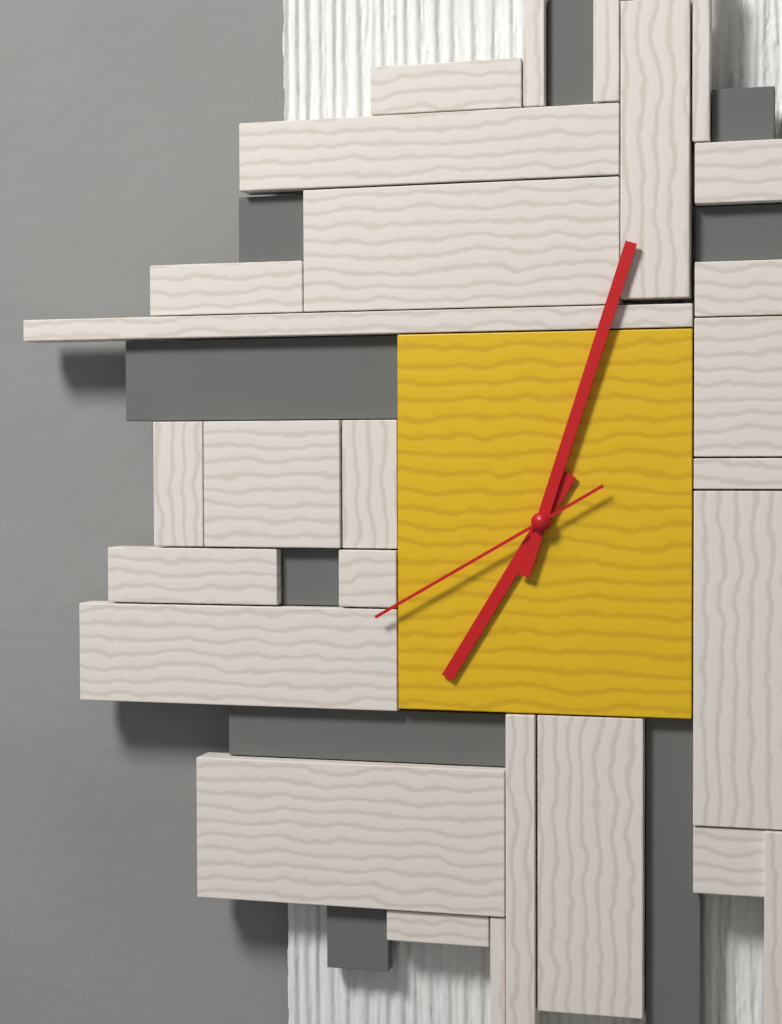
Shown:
7,03,40
